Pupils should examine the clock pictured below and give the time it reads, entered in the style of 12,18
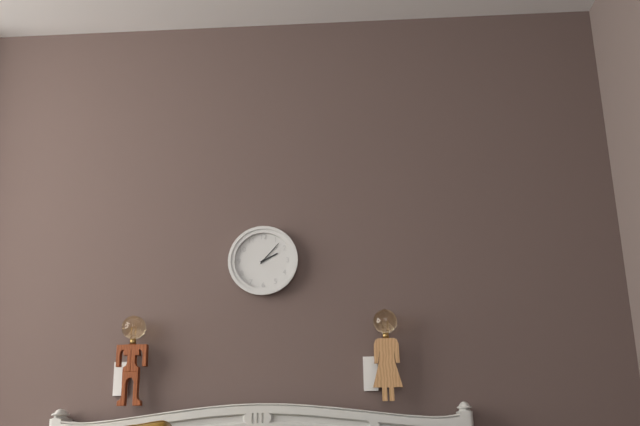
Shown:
2,07
